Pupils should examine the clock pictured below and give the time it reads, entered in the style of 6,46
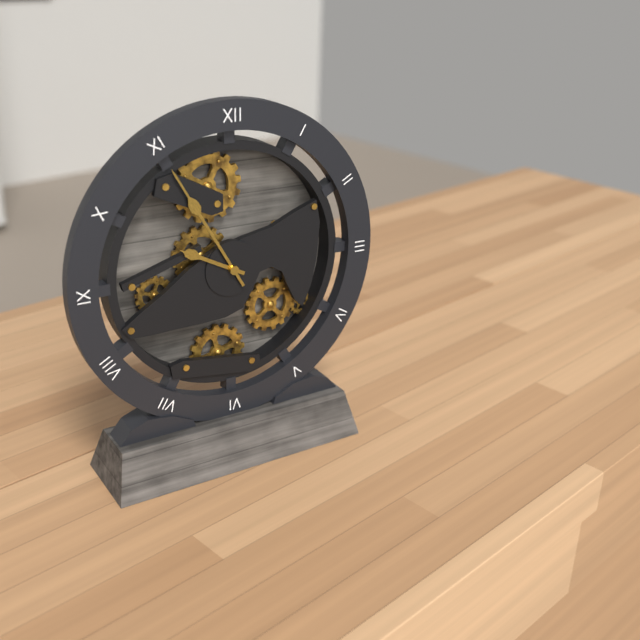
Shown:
9,55
